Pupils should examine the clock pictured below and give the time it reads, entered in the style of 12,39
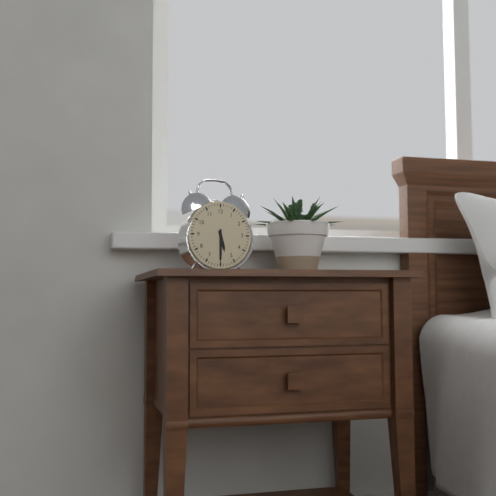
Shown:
5,30
